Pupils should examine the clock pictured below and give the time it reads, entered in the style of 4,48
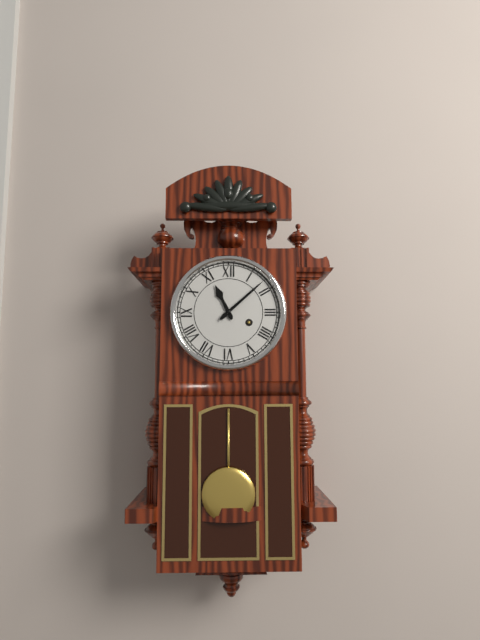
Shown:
11,08
